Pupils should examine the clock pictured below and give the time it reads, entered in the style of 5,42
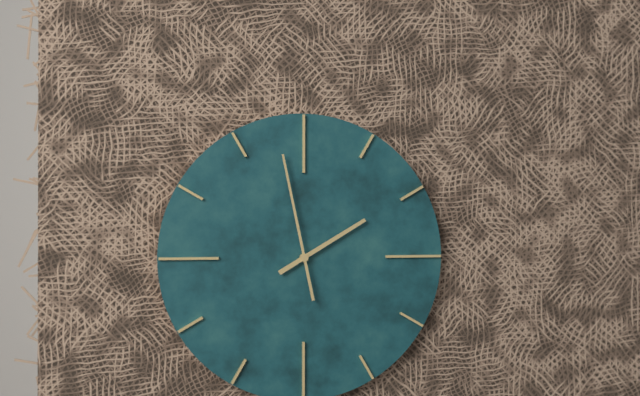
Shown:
1,58
